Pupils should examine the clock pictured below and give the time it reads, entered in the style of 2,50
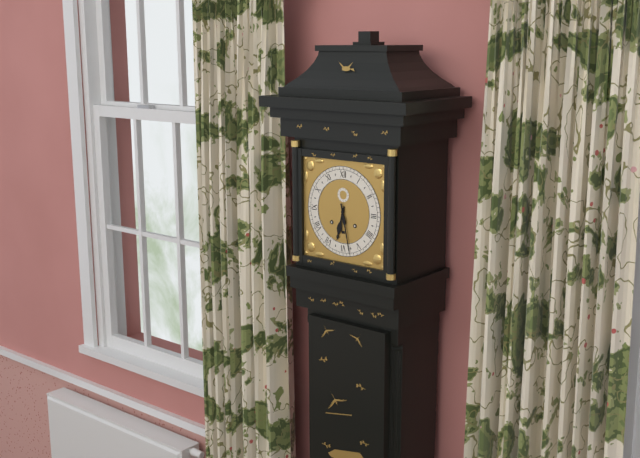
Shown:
6,28
